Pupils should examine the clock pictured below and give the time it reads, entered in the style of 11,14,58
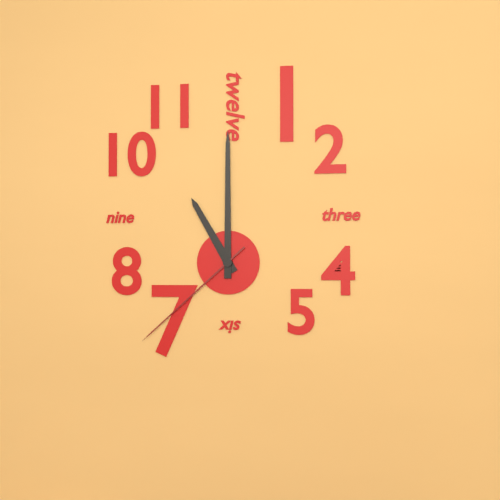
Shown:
11,00,38
